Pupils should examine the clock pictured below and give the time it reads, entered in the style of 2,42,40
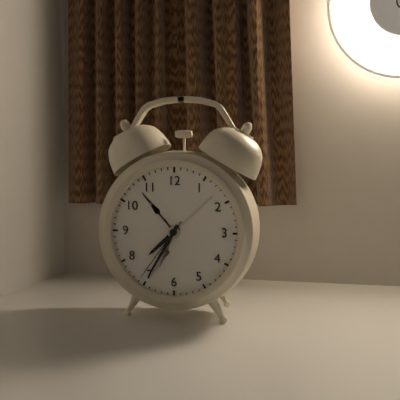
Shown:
7,35,36
